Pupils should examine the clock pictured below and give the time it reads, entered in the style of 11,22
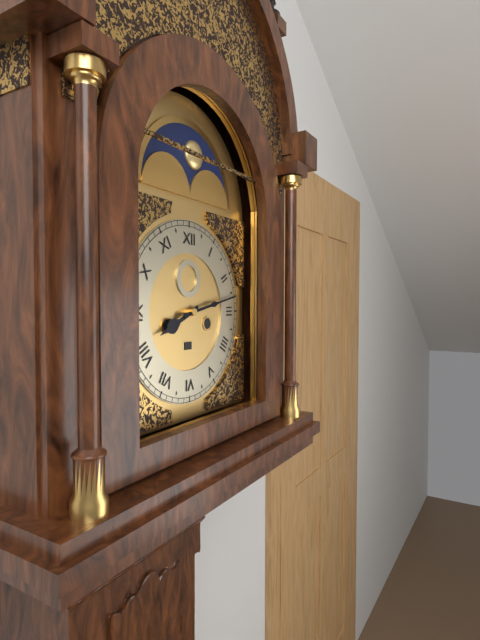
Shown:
8,13
